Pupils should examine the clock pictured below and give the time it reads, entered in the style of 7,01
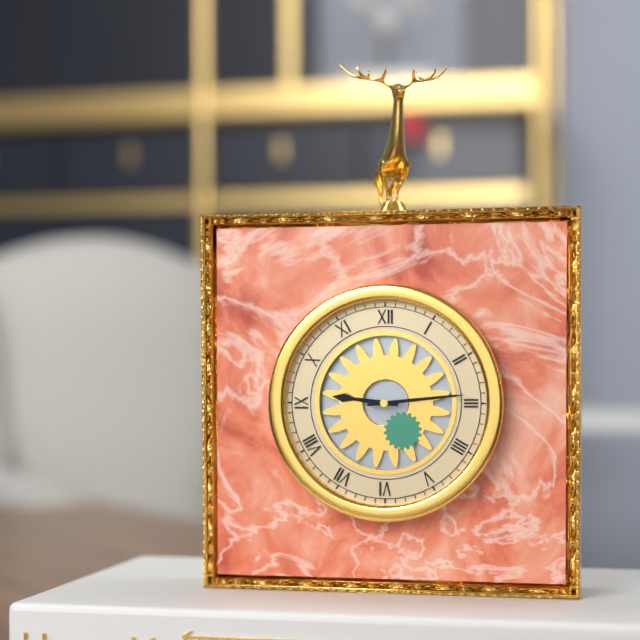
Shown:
9,14
